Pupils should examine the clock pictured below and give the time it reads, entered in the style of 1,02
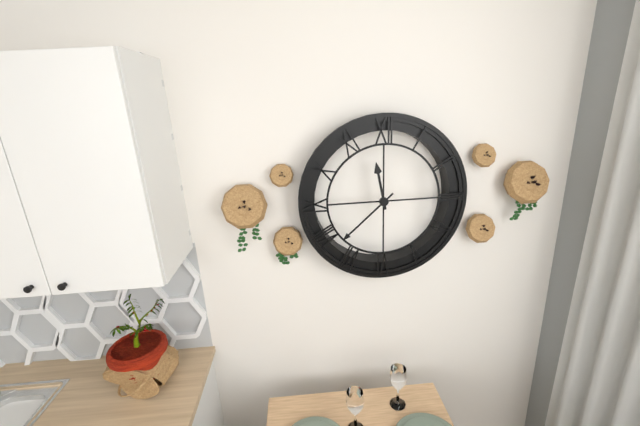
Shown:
11,38
